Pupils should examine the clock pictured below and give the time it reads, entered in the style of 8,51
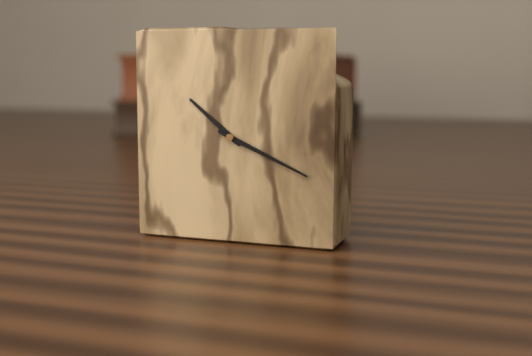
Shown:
10,19
